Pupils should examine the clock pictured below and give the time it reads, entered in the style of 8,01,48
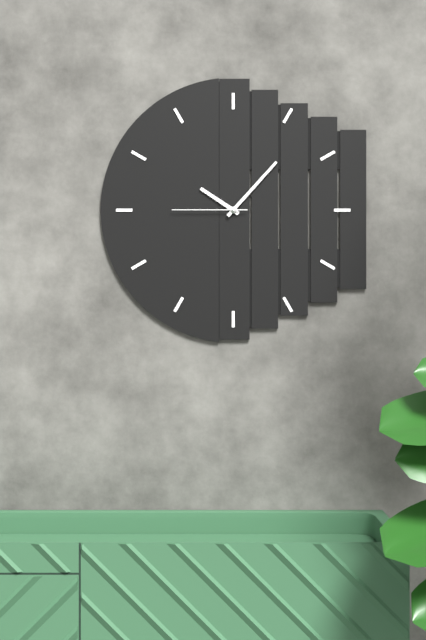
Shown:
10,07,45
